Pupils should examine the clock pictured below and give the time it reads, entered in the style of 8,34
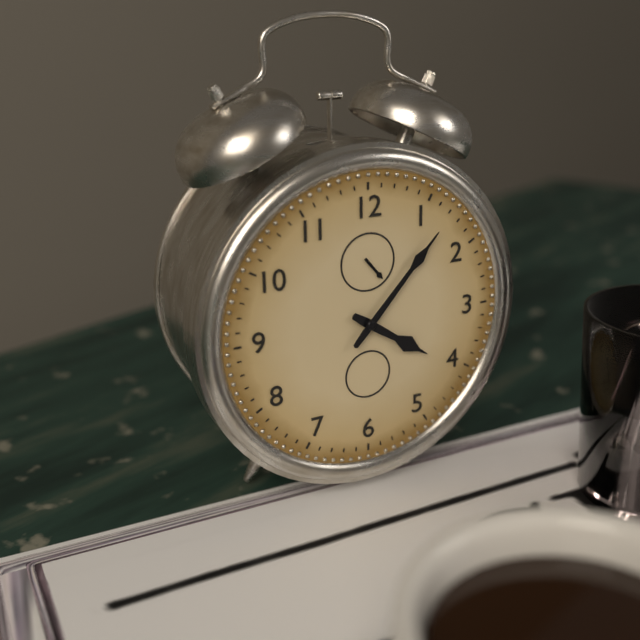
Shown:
4,07
